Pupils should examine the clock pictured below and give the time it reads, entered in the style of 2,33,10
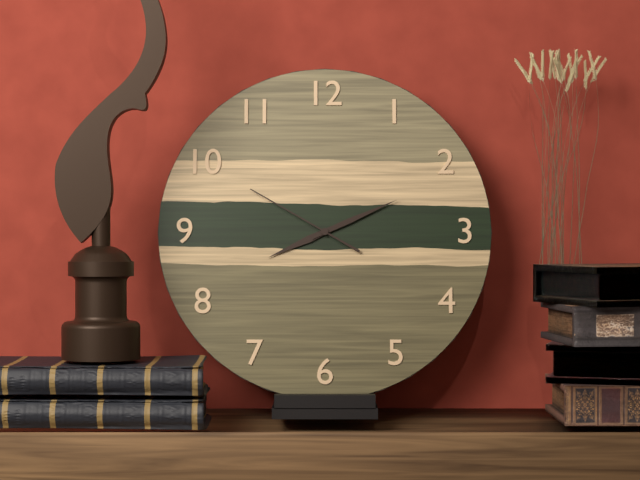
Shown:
8,11,50
